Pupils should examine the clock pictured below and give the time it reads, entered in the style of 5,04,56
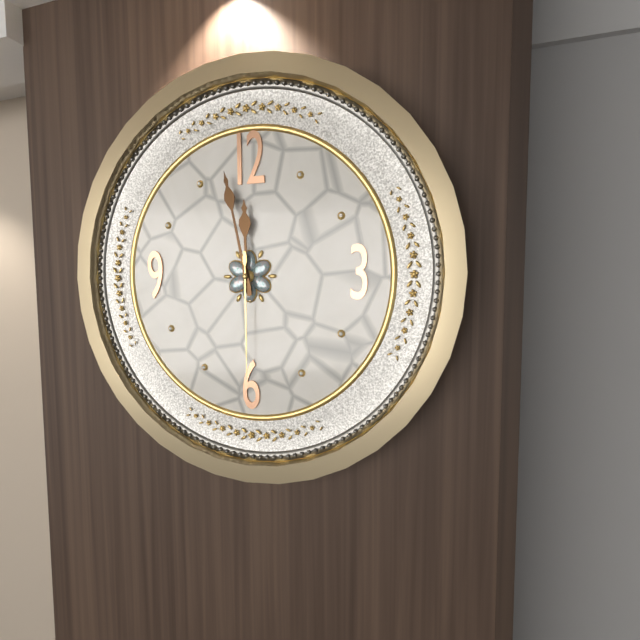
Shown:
11,58,30
